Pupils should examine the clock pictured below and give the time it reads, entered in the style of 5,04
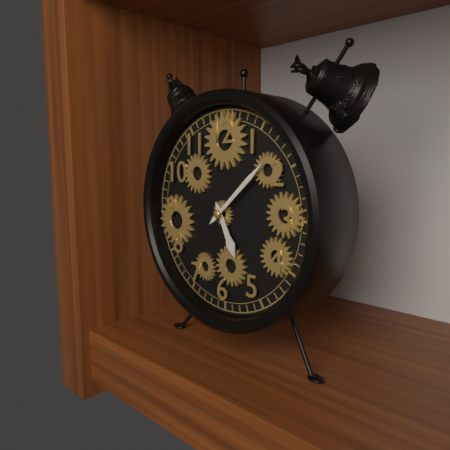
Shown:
5,08
